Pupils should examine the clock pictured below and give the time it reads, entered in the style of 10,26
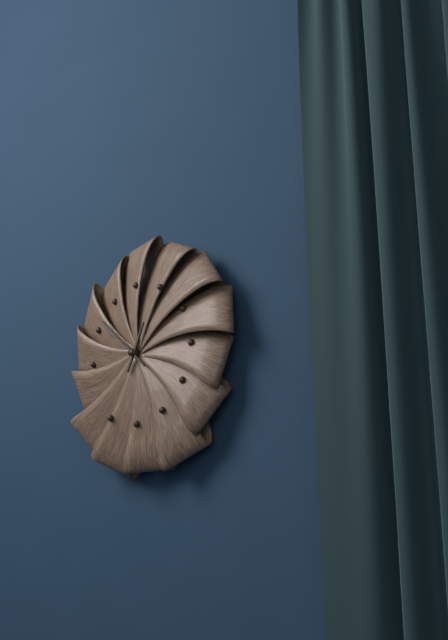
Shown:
12,52
